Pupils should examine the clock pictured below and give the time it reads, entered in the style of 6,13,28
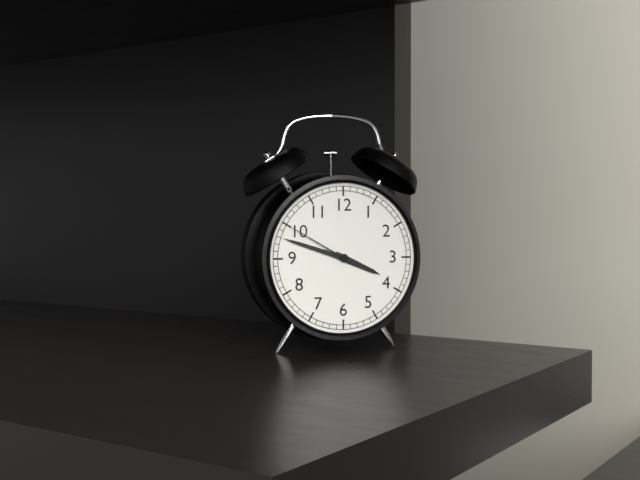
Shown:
3,48,50
